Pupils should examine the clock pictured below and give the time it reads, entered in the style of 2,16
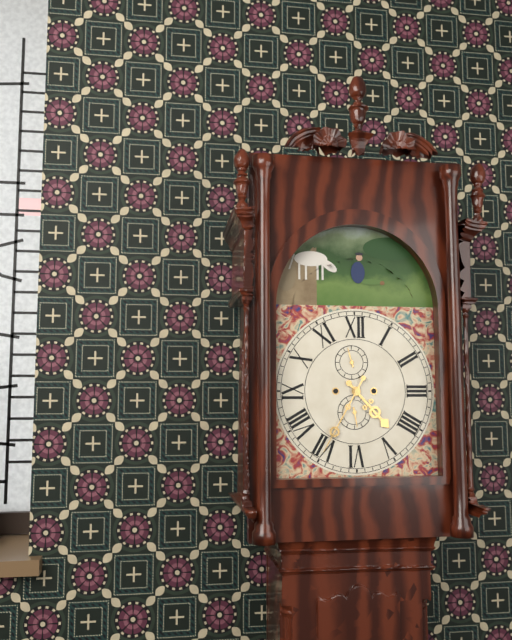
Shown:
4,35
